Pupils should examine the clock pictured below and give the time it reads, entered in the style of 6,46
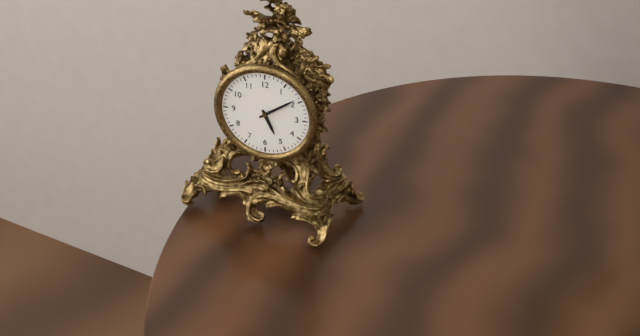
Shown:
5,09
